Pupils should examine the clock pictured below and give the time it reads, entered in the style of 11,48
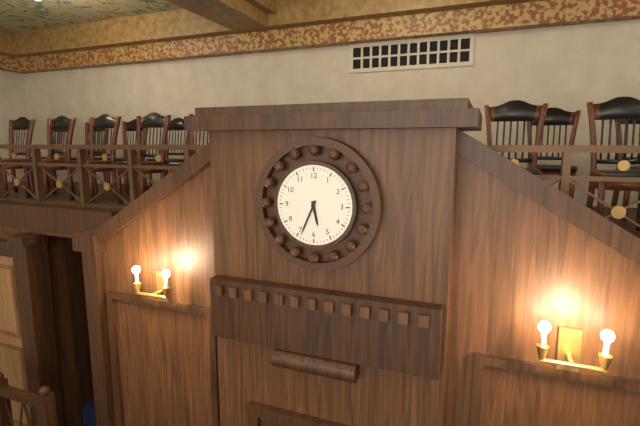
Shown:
5,34
